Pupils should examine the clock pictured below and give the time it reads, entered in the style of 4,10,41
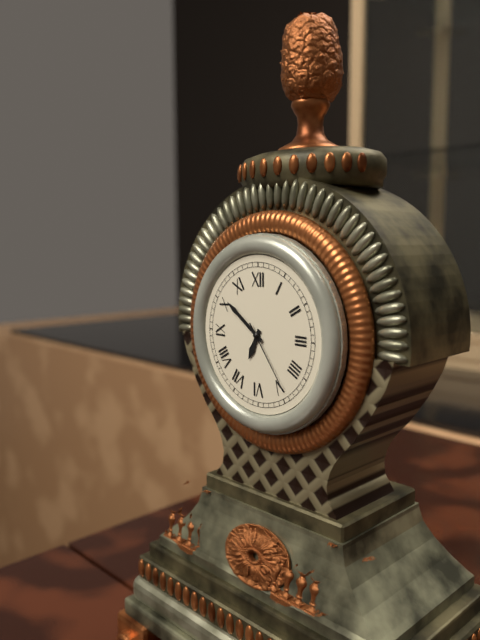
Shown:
6,51,24
